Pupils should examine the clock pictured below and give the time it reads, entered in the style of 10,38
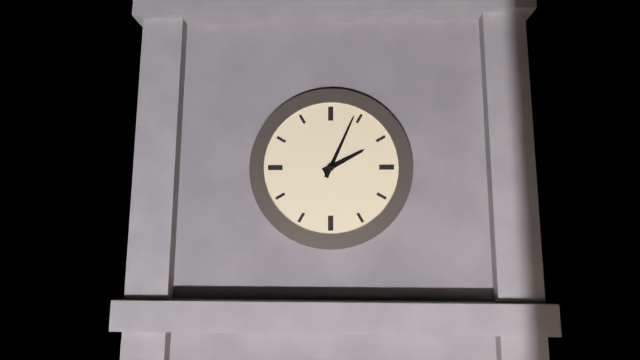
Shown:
2,04
